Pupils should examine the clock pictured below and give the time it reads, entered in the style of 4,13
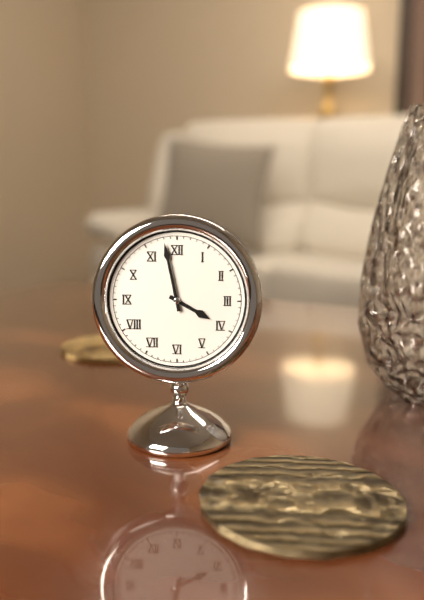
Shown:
3,58
